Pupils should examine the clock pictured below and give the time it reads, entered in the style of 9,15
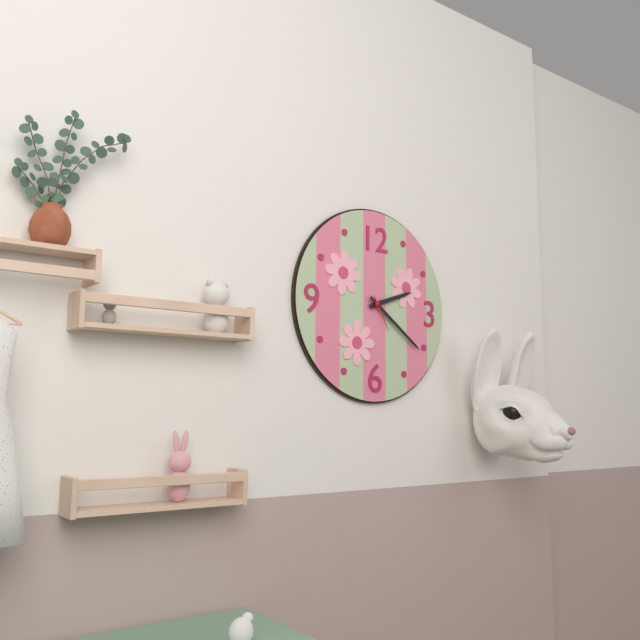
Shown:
2,21
